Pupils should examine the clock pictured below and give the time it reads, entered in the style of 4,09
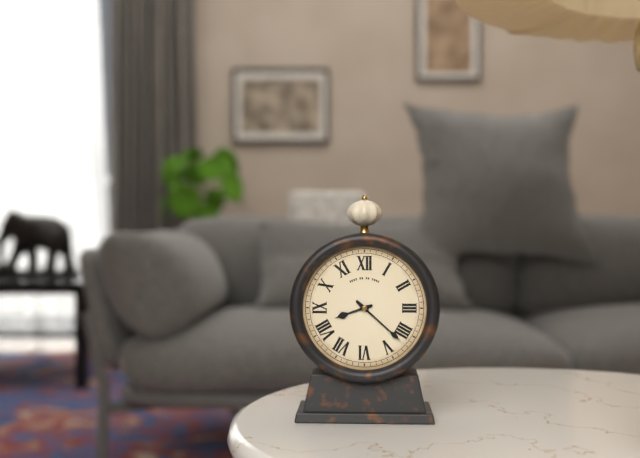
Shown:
8,22
